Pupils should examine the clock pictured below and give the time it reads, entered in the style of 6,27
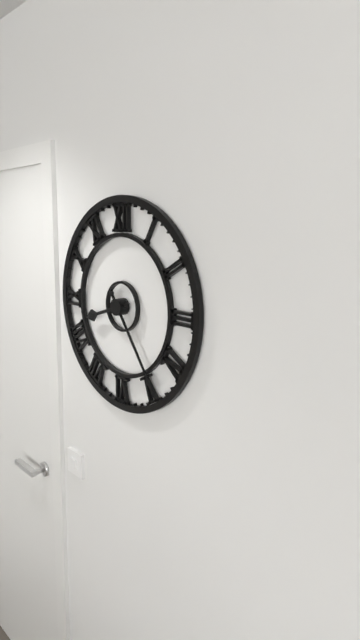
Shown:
8,24
